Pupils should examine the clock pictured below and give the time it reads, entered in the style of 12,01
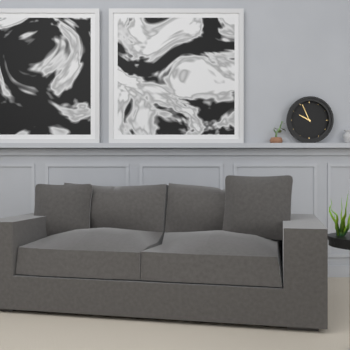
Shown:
9,56
